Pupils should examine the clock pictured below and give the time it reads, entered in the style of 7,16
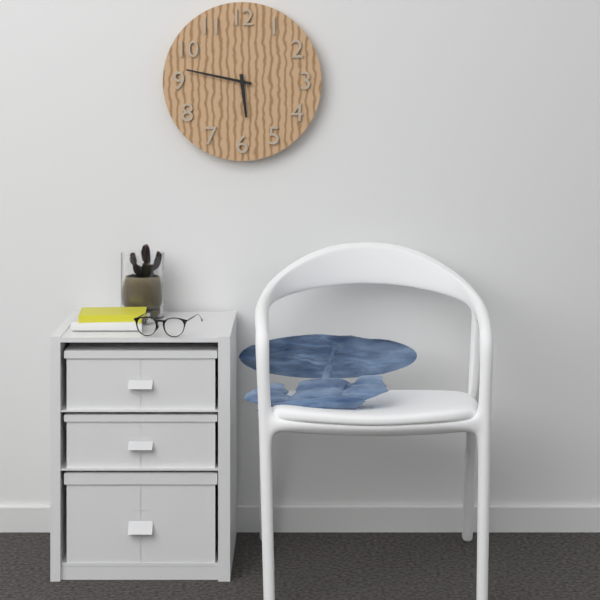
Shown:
5,47
